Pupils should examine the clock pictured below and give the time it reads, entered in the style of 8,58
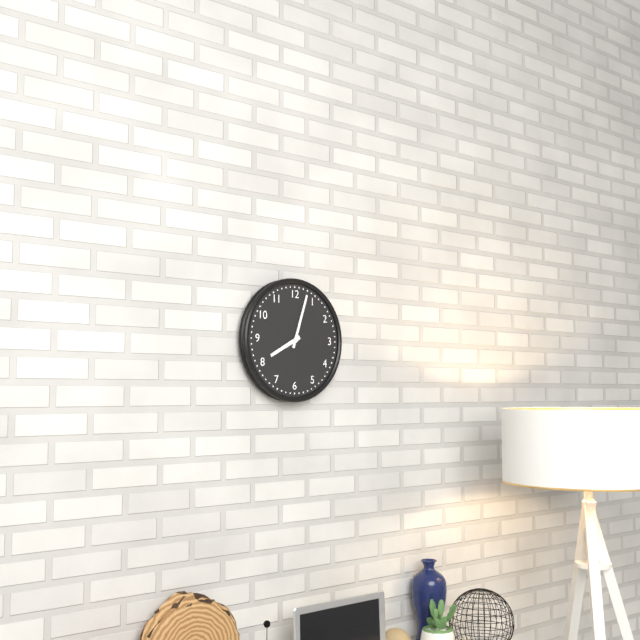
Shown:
8,03
